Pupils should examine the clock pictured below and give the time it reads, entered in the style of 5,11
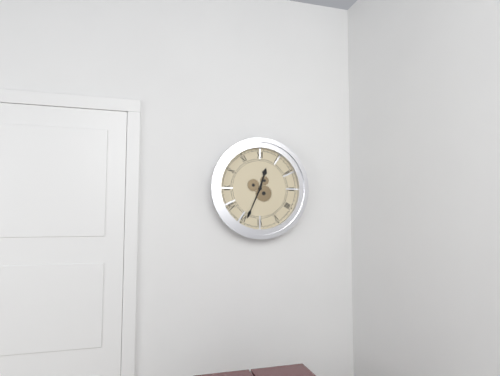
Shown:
12,34
